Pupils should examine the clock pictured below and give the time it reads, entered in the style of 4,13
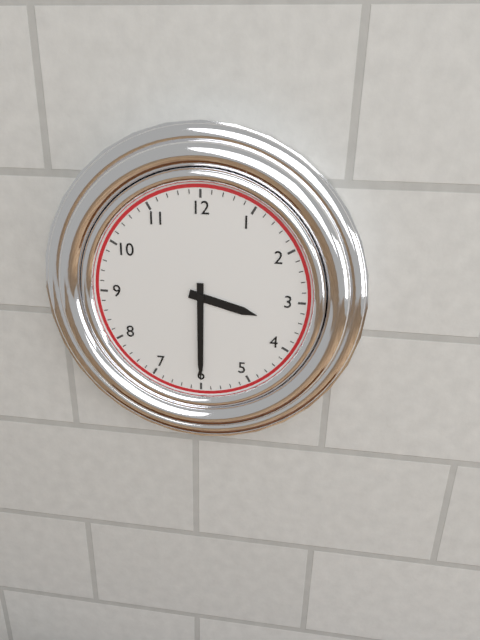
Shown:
3,30
